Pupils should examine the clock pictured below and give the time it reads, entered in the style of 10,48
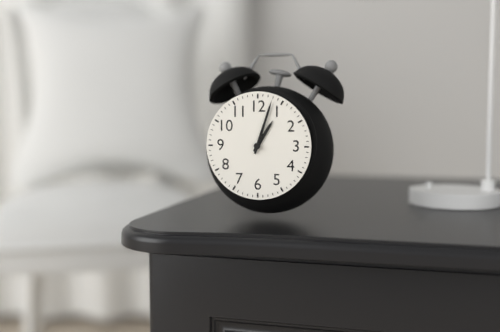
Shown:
1,03
